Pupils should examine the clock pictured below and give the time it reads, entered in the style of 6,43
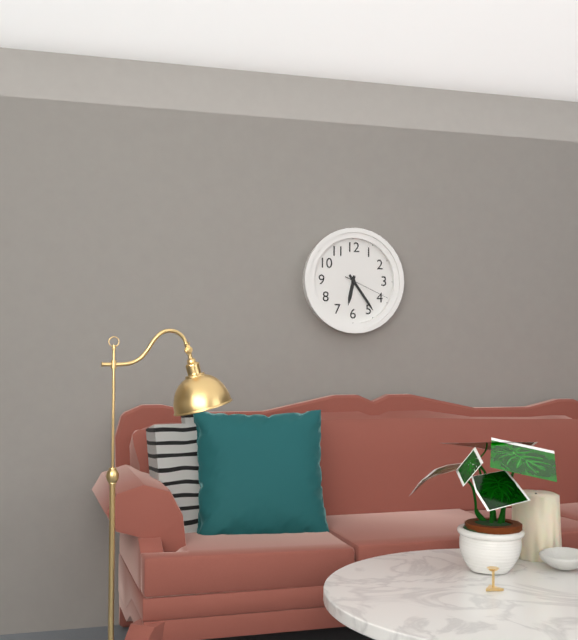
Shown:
6,24
